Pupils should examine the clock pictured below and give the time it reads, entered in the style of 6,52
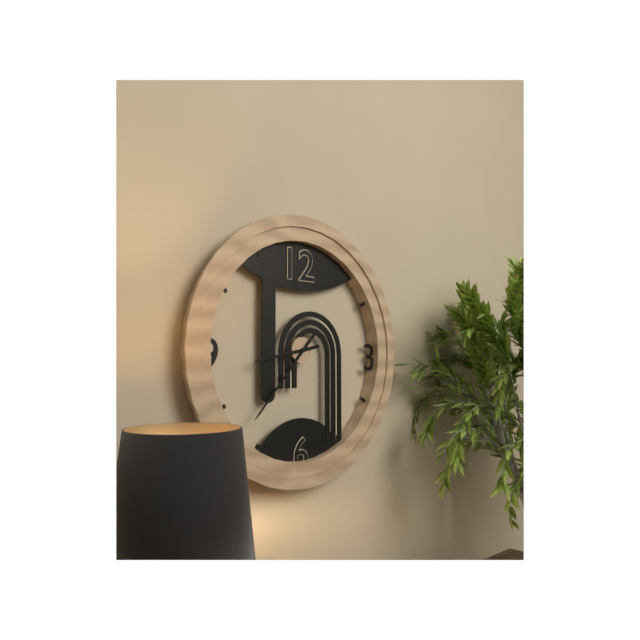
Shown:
8,37
